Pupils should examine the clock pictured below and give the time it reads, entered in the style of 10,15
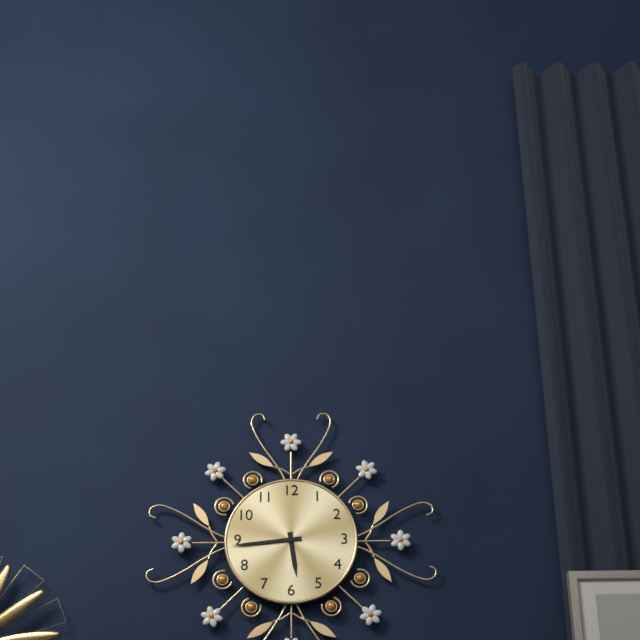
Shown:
5,44
